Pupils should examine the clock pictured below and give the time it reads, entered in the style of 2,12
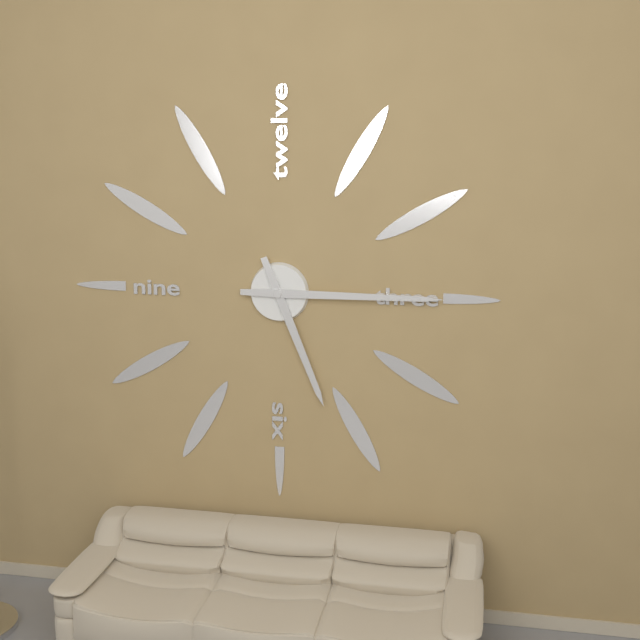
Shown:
5,15
